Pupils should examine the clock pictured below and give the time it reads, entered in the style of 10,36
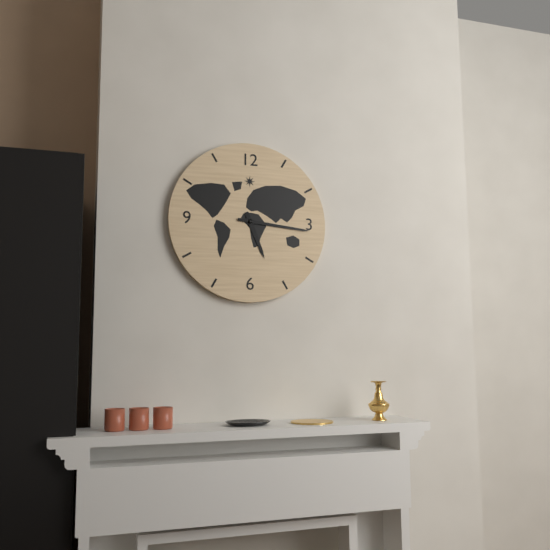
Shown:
5,16
